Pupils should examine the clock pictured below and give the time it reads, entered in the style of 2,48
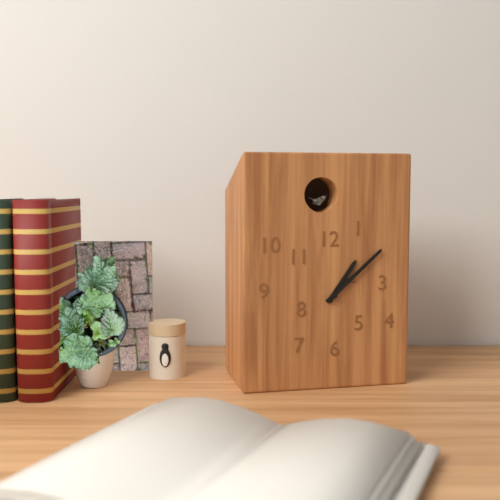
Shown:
1,08
